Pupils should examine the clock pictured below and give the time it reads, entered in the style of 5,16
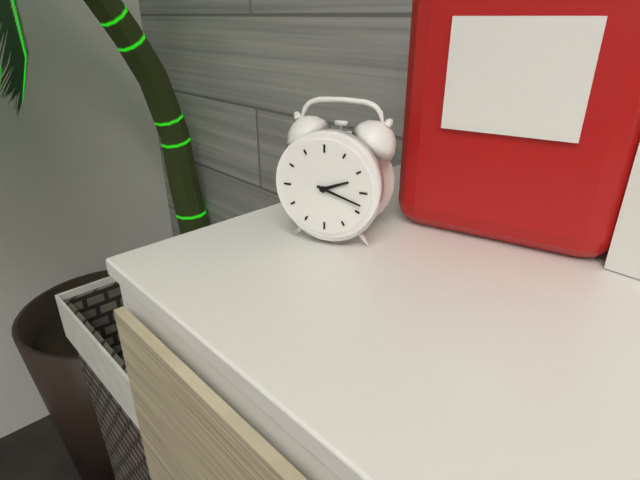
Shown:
2,18
